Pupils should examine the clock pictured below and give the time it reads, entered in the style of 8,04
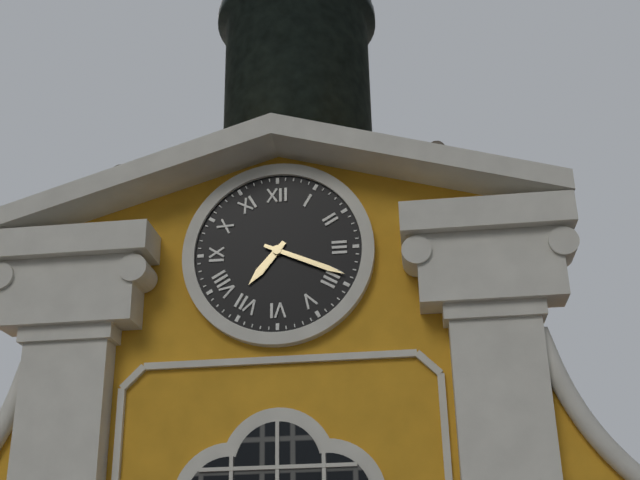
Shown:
7,19
